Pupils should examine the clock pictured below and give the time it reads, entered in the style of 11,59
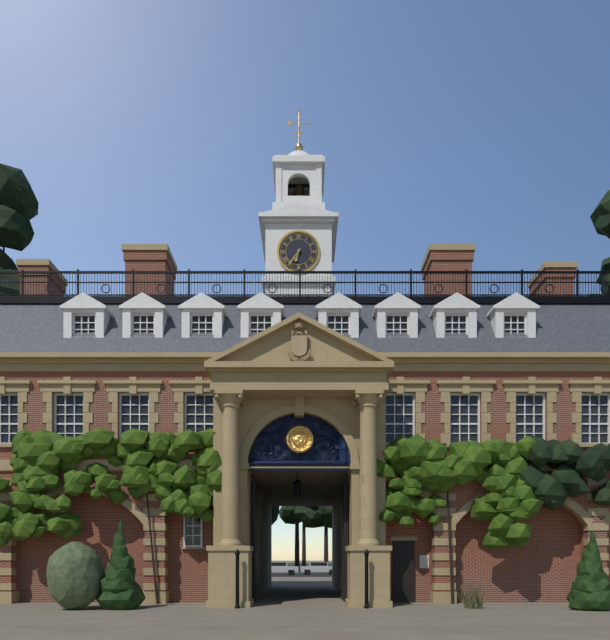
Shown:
6,36
